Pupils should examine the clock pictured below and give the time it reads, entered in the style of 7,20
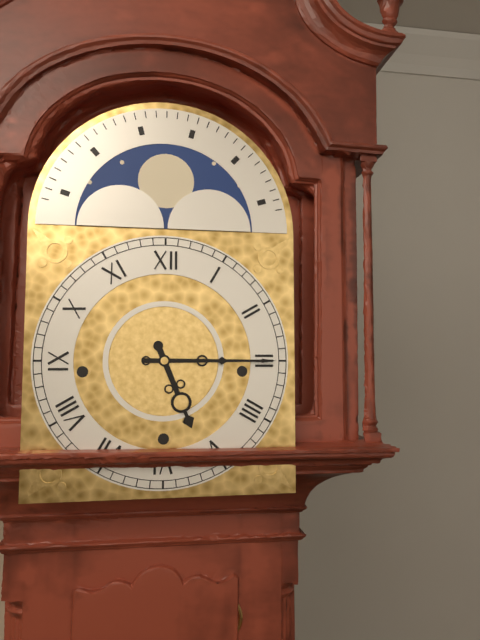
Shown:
5,15
